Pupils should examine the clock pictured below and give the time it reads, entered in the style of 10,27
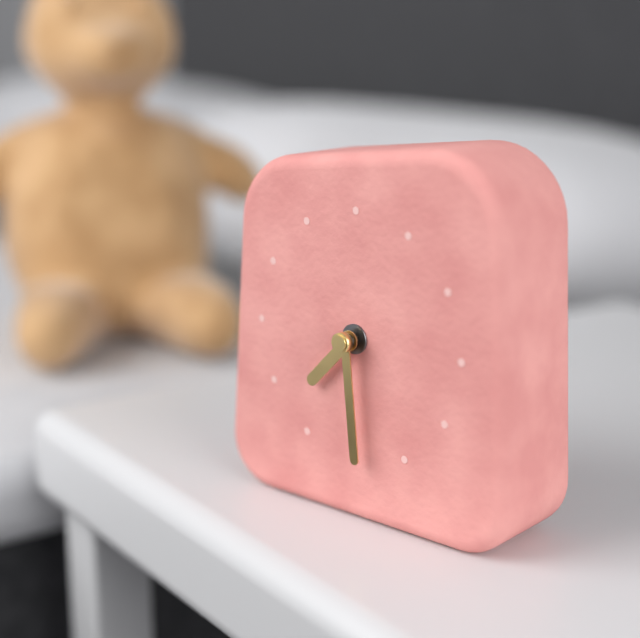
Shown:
7,29
